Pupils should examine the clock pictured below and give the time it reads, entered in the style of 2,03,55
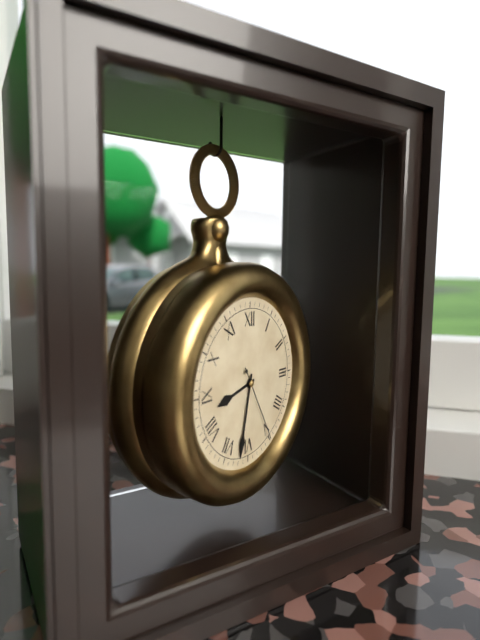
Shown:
8,32,25
